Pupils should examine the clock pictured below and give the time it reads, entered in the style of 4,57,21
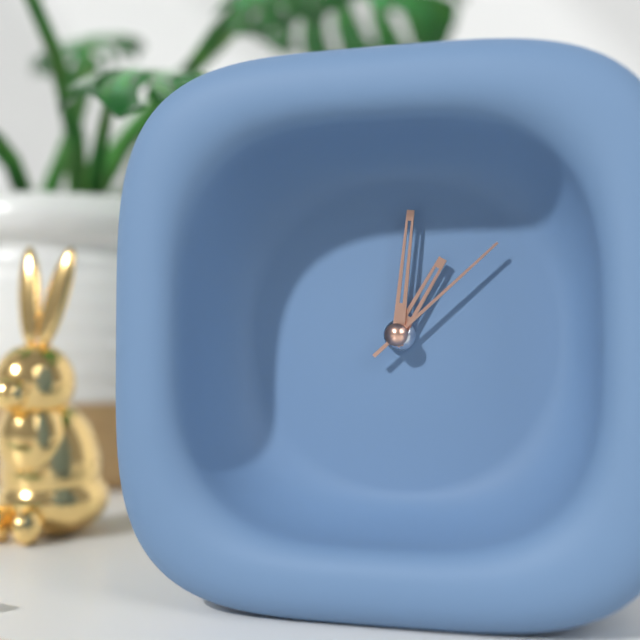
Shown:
1,01,08
